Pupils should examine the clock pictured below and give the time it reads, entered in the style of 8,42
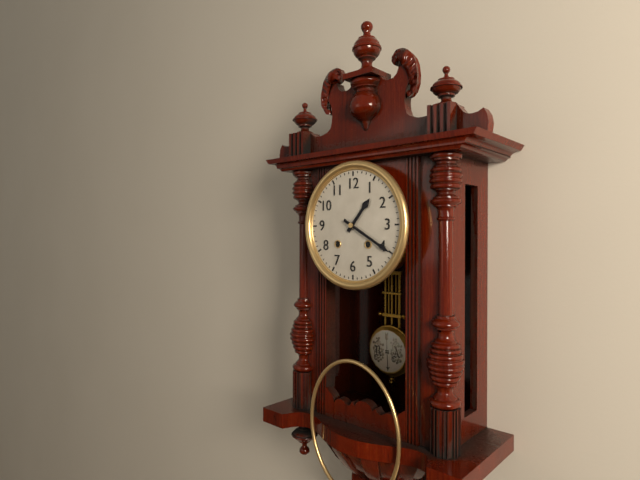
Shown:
1,20
